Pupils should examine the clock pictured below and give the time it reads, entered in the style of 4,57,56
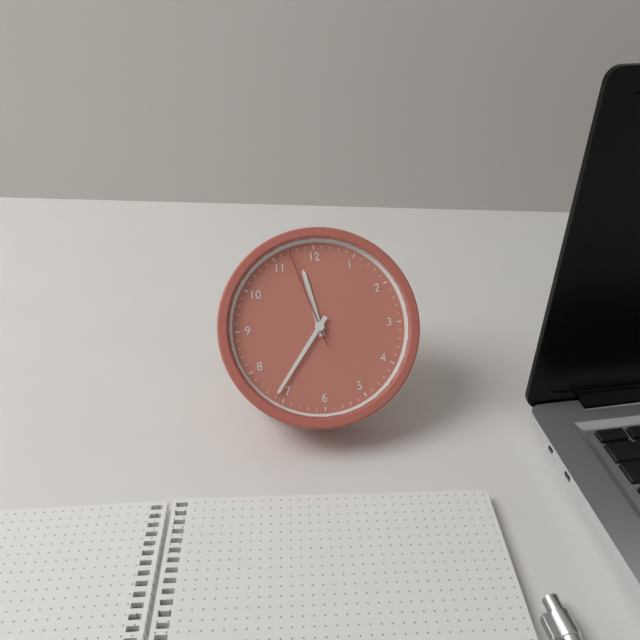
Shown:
11,36,57
